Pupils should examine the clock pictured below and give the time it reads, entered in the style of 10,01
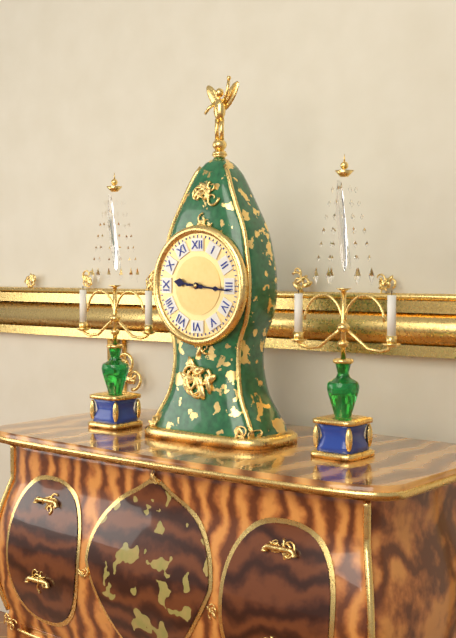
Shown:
9,16
